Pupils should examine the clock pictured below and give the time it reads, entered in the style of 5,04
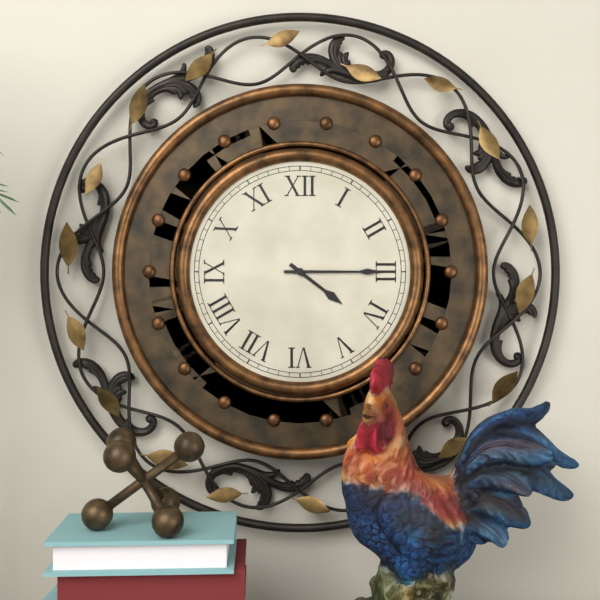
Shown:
4,15
